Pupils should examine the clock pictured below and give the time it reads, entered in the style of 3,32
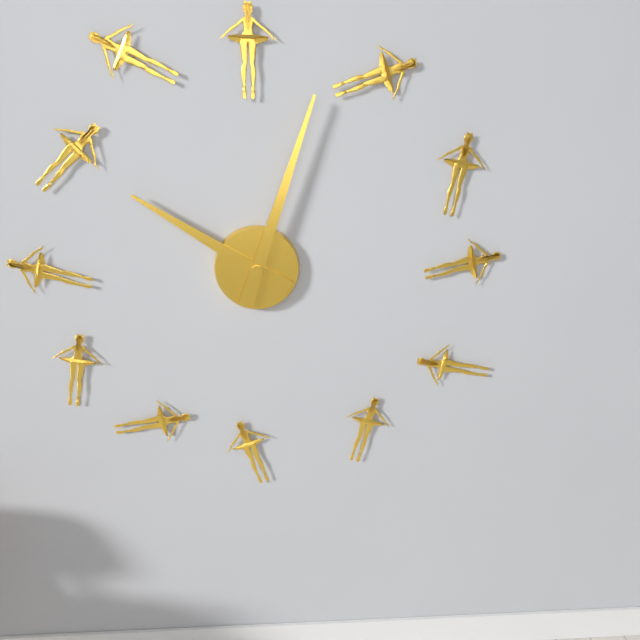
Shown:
10,03
